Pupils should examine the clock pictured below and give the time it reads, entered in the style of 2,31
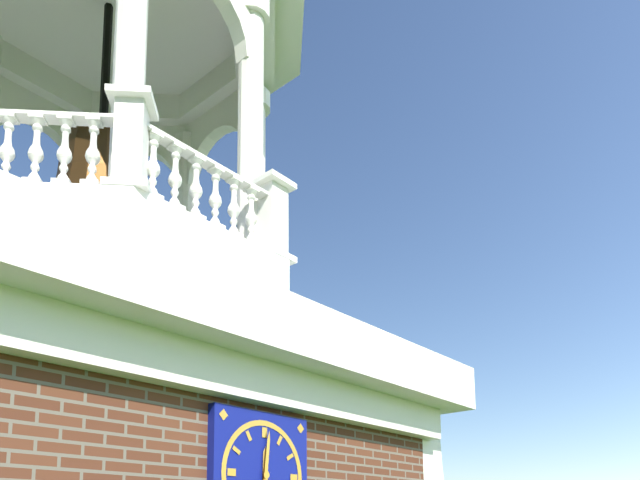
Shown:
12,01
